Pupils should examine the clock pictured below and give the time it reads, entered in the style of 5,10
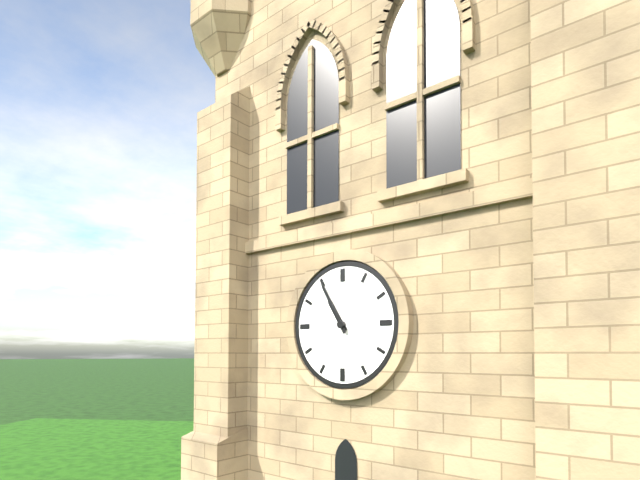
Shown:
10,55
